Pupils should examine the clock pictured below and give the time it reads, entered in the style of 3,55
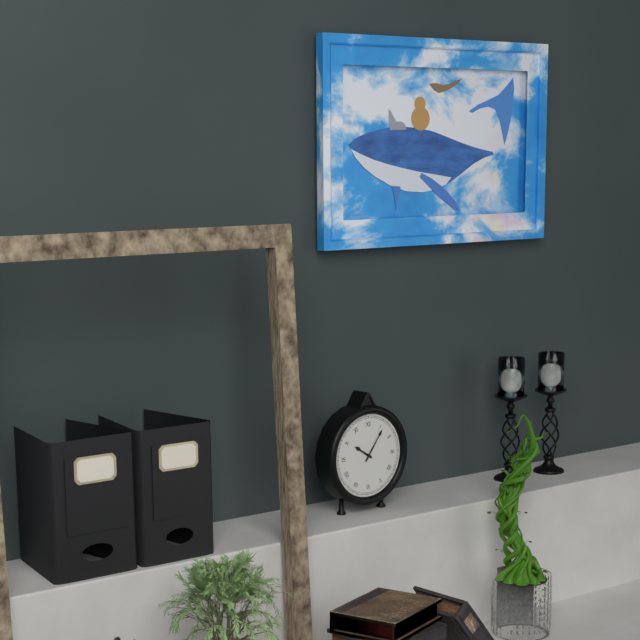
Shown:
10,06
